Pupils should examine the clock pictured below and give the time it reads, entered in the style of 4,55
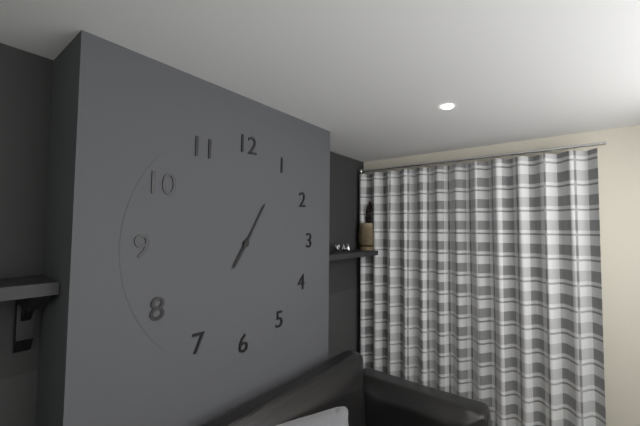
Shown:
7,05
